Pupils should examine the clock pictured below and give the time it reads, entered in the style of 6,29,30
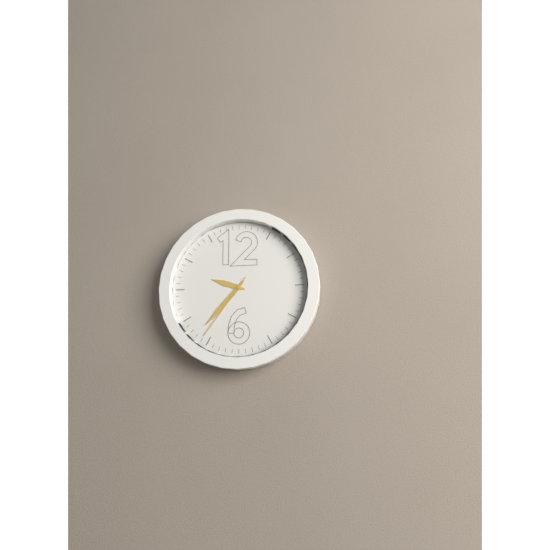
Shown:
9,37,36
